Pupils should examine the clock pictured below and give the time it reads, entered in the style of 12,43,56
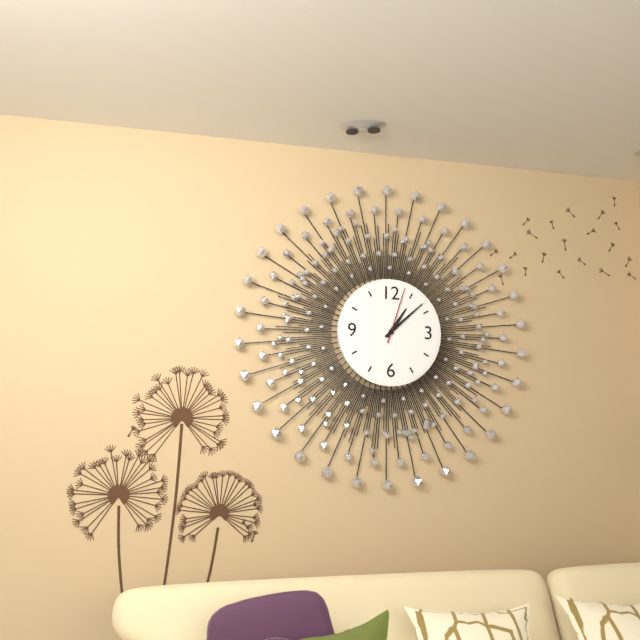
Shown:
1,08,03
